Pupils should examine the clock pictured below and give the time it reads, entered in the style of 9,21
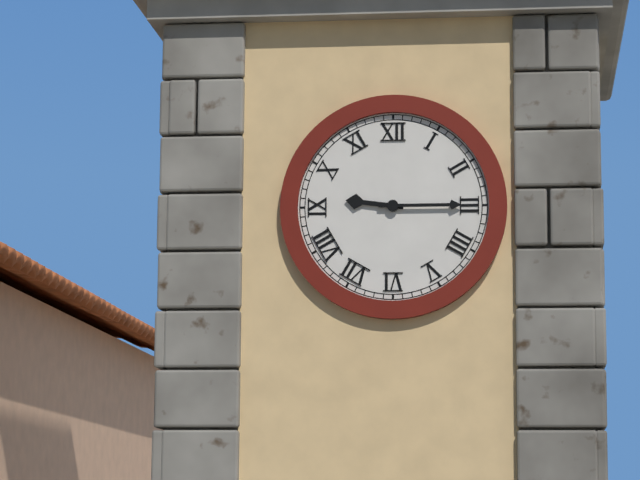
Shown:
9,15
